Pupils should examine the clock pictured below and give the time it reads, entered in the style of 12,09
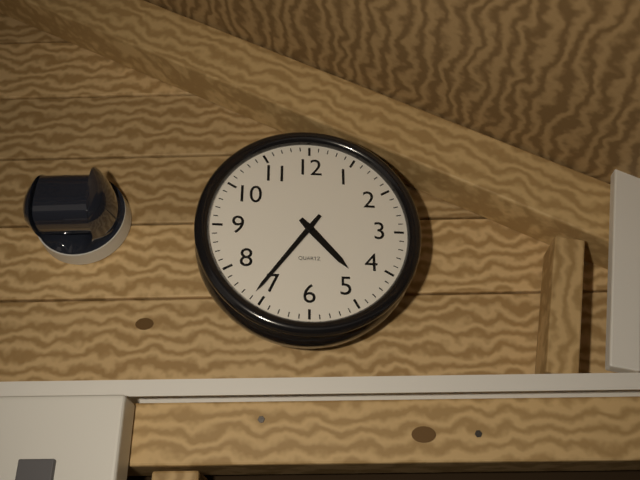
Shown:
4,36
